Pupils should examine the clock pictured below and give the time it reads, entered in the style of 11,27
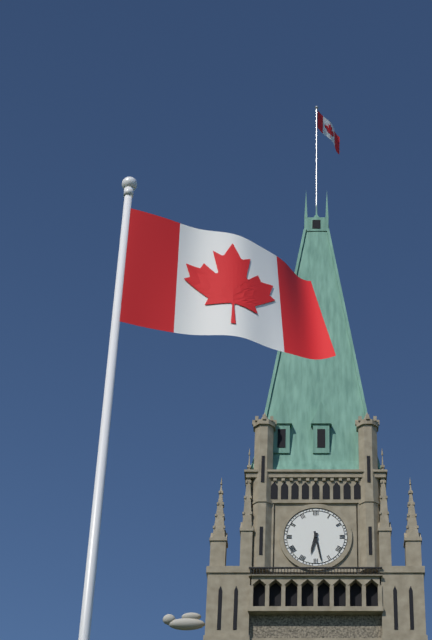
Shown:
6,28
